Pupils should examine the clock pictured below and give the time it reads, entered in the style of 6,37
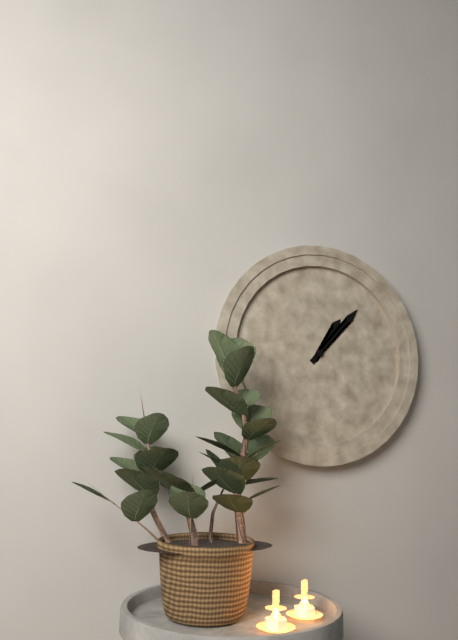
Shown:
1,07
